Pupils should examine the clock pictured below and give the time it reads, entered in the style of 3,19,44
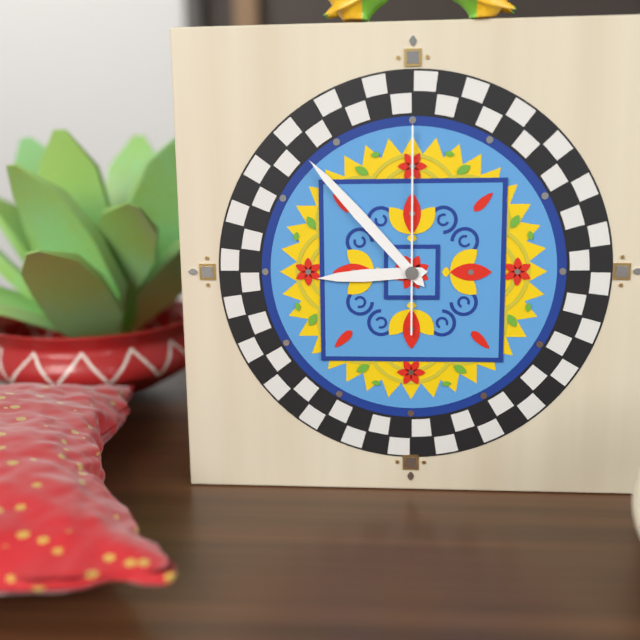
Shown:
8,53,00
